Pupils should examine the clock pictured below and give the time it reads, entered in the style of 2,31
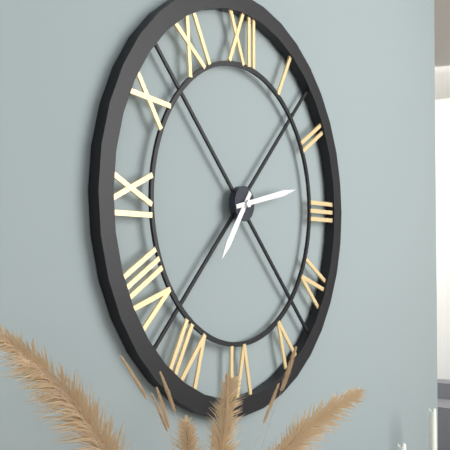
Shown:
7,13
